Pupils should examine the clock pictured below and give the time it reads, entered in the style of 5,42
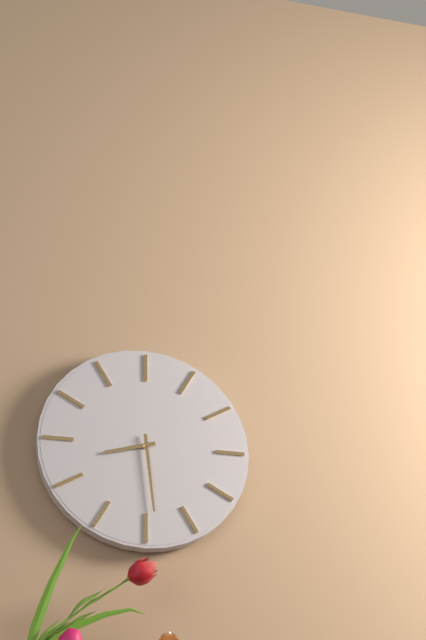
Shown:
8,29
